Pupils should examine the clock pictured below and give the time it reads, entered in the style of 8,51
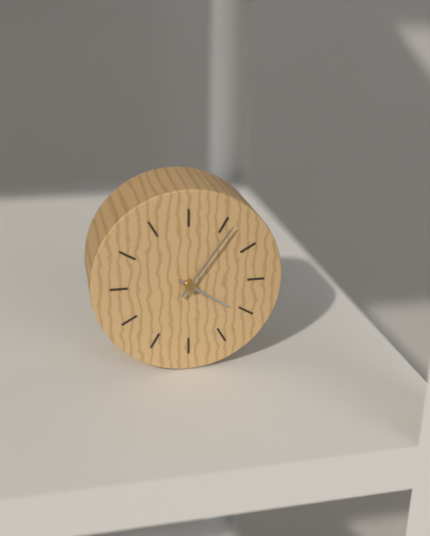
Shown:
4,06
